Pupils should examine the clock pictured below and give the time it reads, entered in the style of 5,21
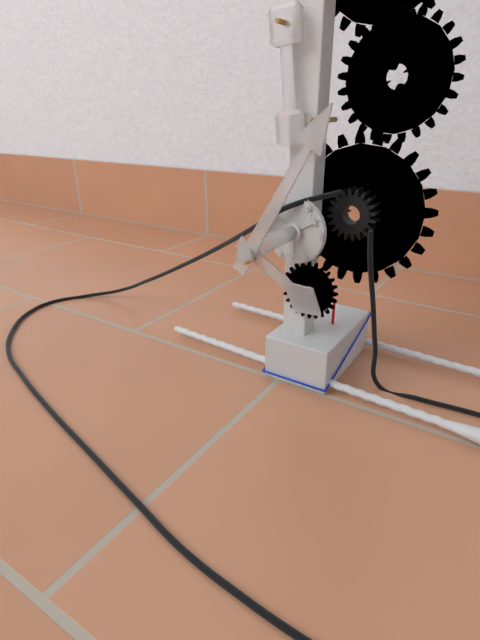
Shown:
4,05
